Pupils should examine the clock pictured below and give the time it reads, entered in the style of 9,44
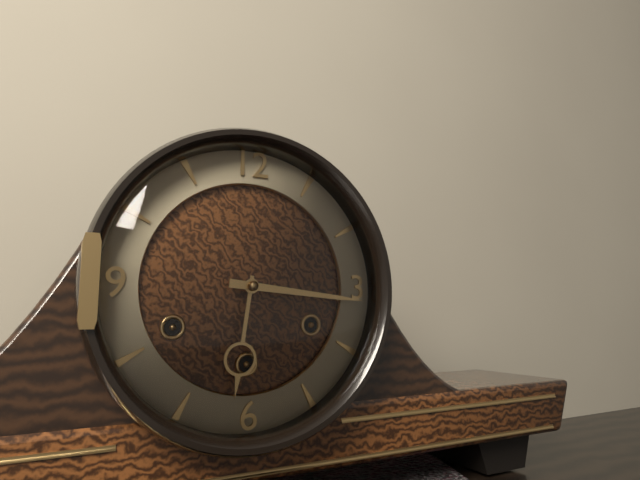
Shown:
6,16
